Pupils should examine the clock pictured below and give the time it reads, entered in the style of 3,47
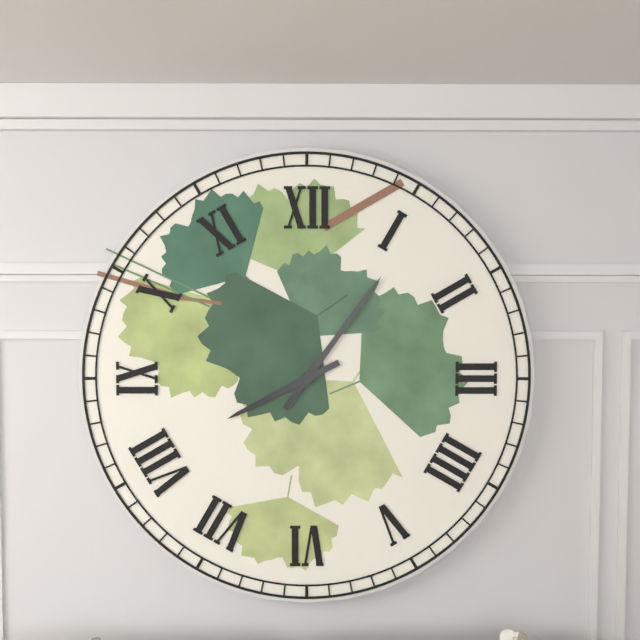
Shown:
8,06
